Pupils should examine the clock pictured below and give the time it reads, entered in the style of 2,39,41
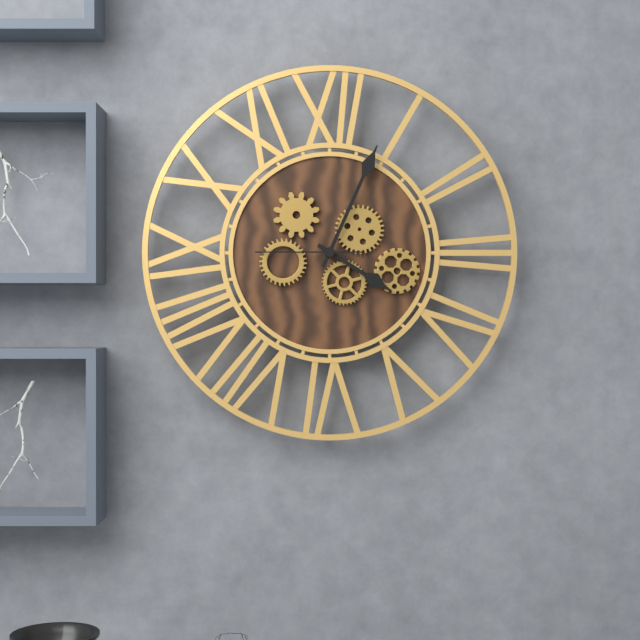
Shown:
4,04,45
